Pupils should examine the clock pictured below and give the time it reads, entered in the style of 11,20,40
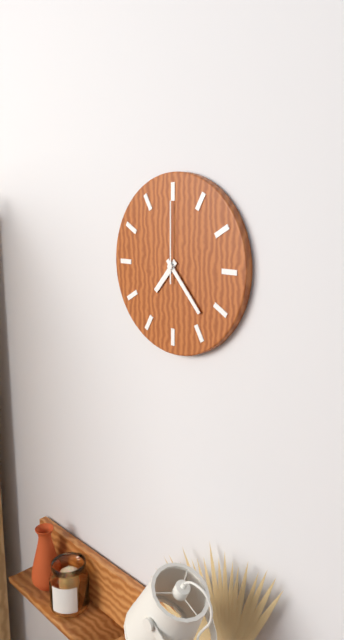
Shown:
7,23,00
